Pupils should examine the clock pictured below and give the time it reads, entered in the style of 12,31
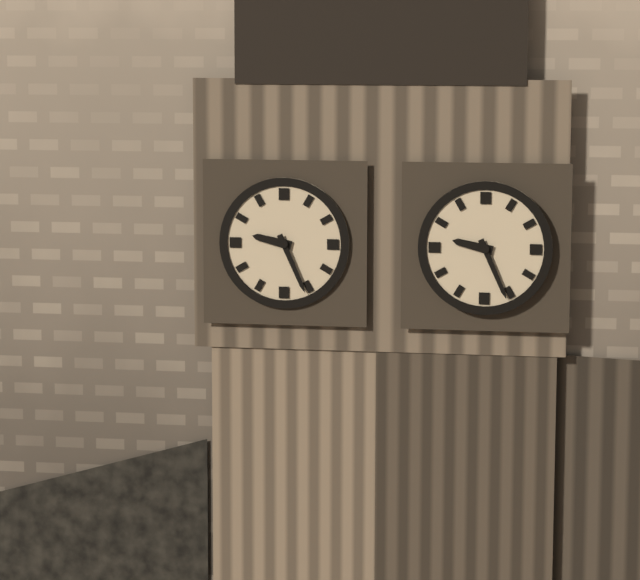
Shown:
9,26
